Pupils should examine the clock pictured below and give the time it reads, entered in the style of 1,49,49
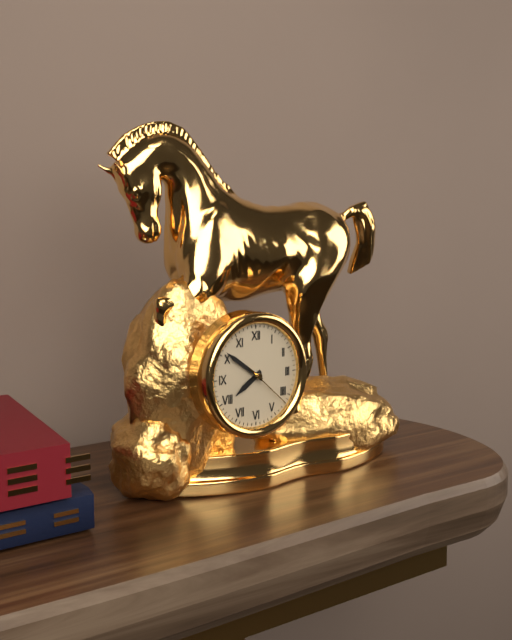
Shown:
7,51,22
